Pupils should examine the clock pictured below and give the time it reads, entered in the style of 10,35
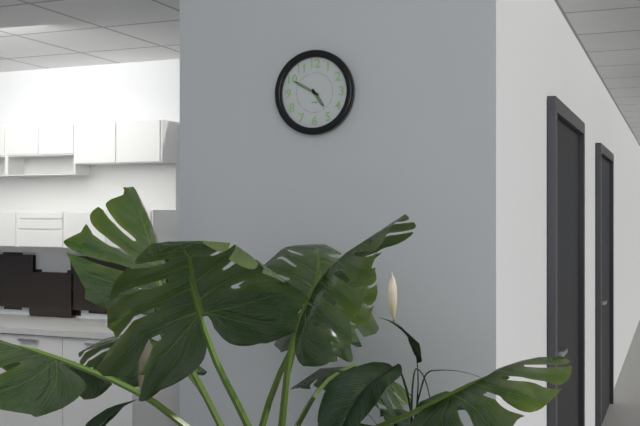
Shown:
4,50
